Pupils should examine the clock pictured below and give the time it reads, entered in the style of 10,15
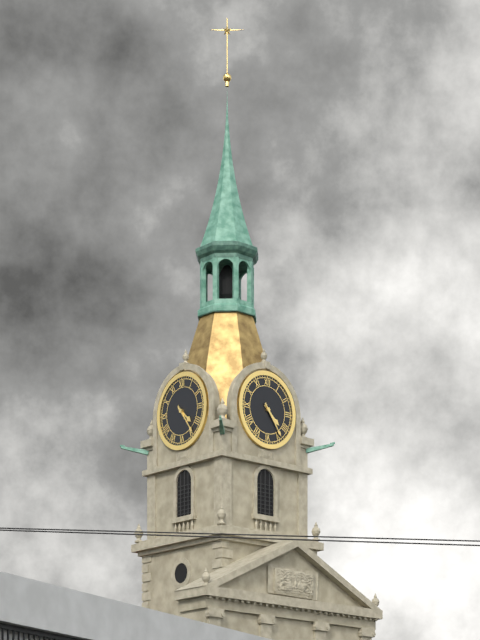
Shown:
4,24
